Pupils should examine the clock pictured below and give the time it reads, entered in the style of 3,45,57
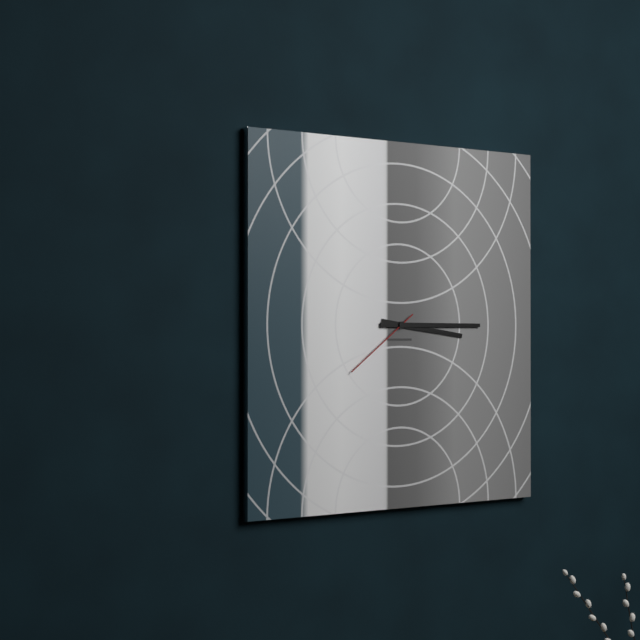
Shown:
3,15,39
